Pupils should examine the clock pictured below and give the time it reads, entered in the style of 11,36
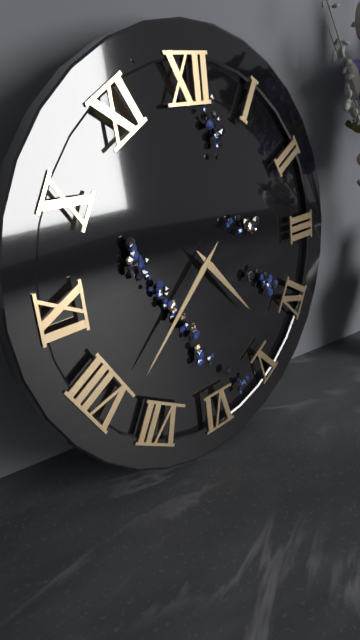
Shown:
4,38
